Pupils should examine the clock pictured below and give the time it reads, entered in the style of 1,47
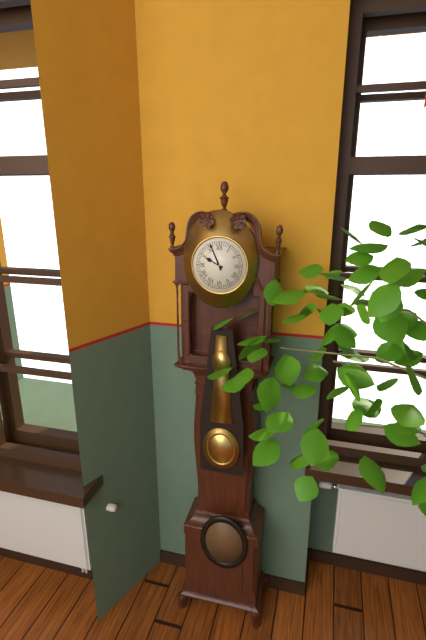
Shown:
9,56
